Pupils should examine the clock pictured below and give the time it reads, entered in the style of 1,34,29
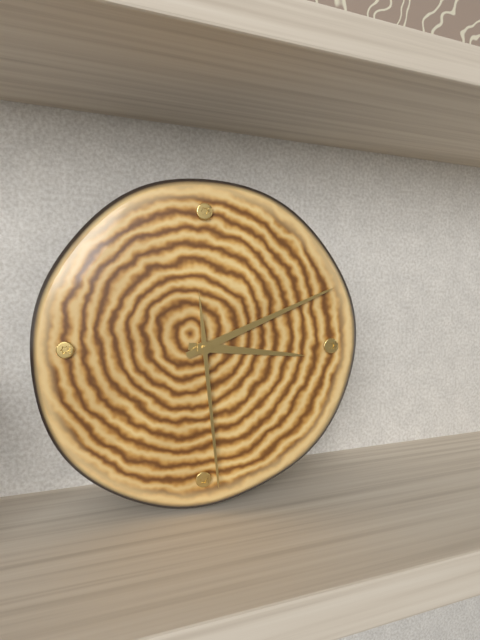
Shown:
3,11,29
